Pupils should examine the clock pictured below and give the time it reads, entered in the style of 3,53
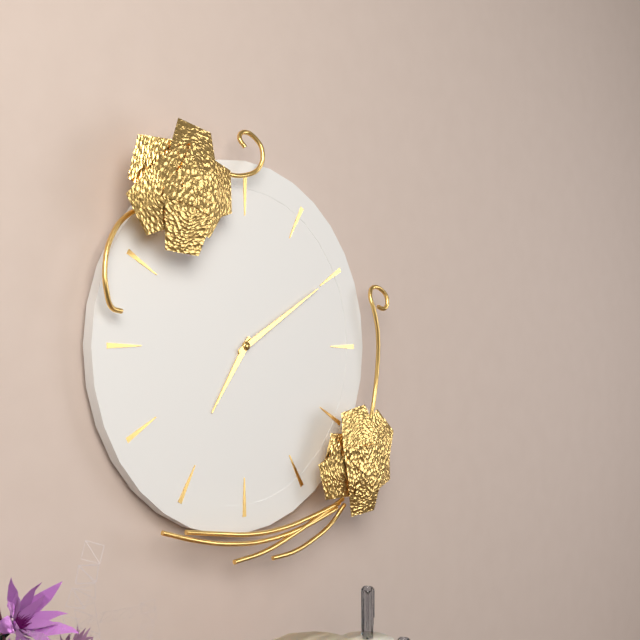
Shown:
7,10
